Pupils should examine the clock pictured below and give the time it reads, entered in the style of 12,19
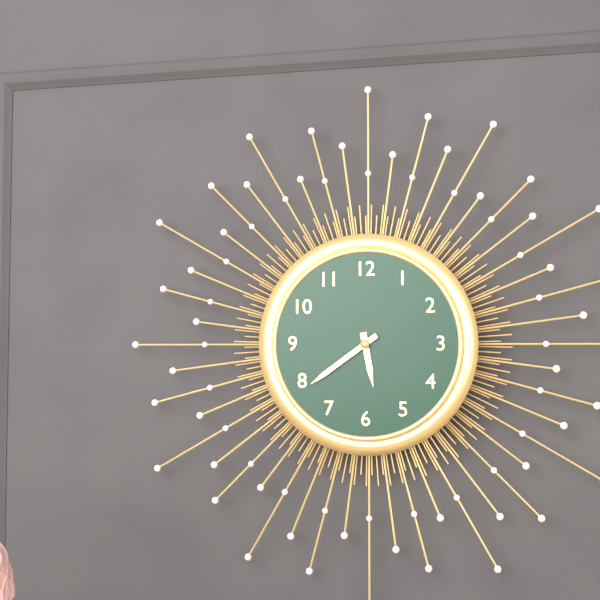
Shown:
5,39
